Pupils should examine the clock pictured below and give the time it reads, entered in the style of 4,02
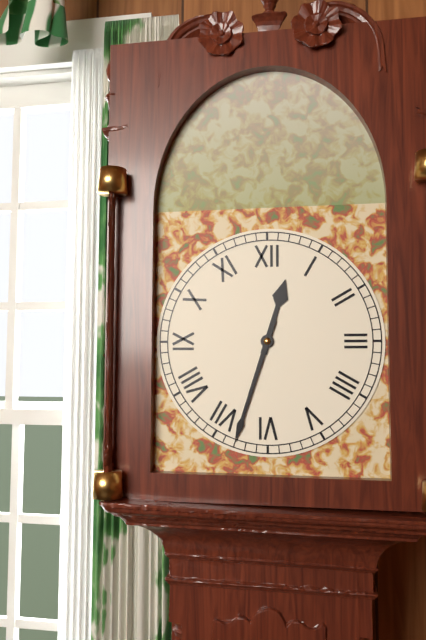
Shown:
12,33
